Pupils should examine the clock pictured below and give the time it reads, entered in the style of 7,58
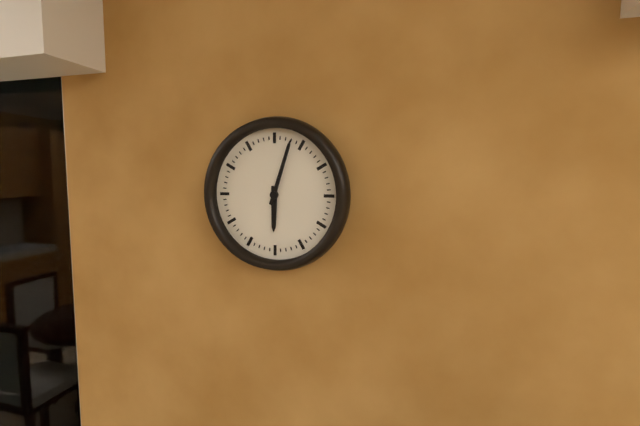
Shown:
6,03
